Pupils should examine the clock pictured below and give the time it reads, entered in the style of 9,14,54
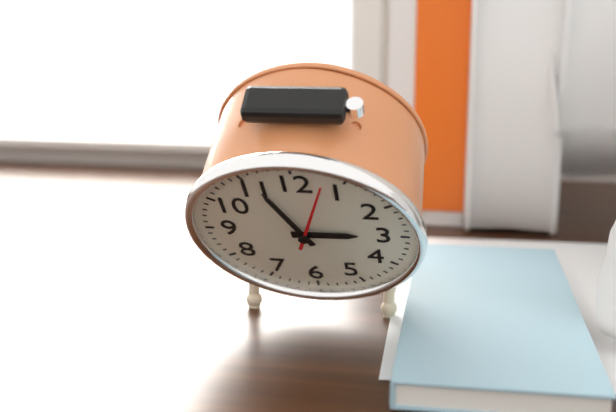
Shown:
2,56,03
